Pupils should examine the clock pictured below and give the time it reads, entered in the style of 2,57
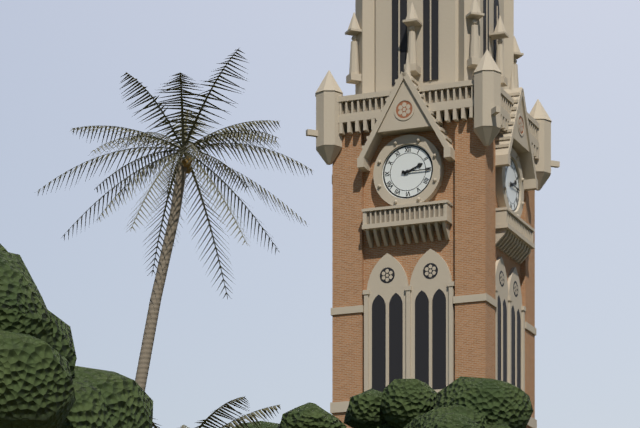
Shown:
2,15
